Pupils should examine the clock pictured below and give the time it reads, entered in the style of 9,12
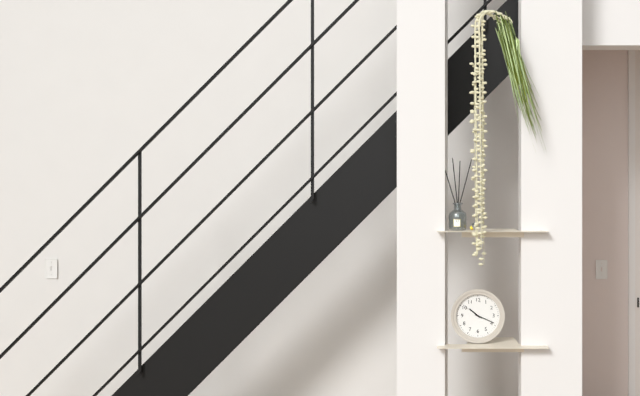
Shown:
10,19
